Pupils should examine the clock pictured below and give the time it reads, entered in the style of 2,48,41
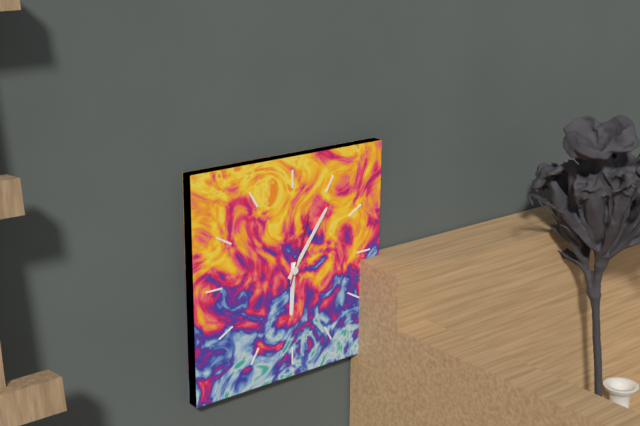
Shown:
6,06,03
